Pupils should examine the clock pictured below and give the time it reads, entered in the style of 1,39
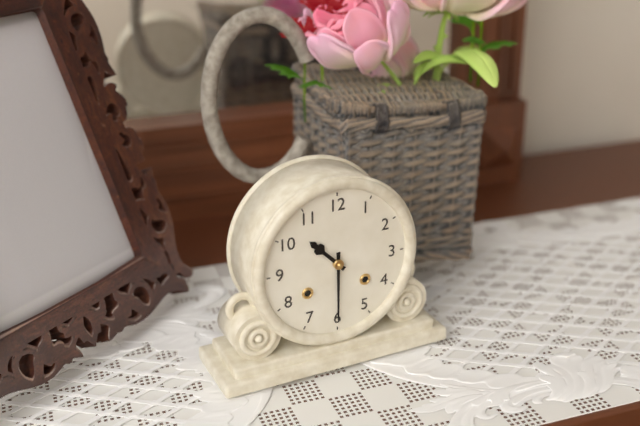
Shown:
10,30
